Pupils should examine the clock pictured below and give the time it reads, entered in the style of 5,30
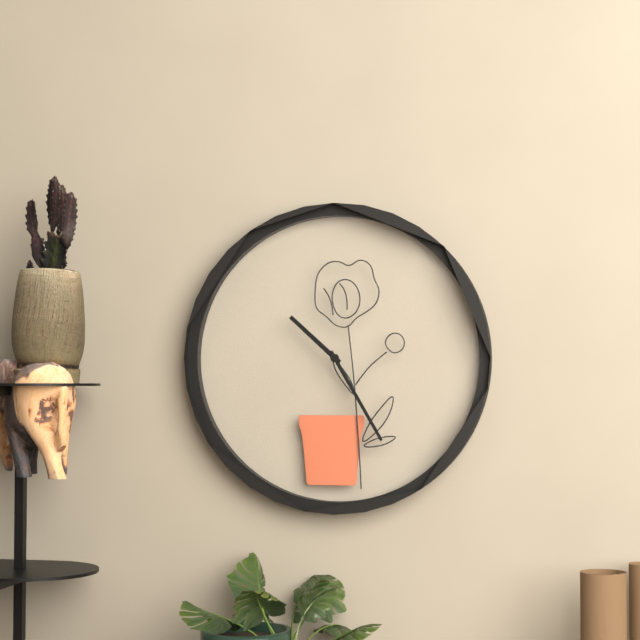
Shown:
10,25
